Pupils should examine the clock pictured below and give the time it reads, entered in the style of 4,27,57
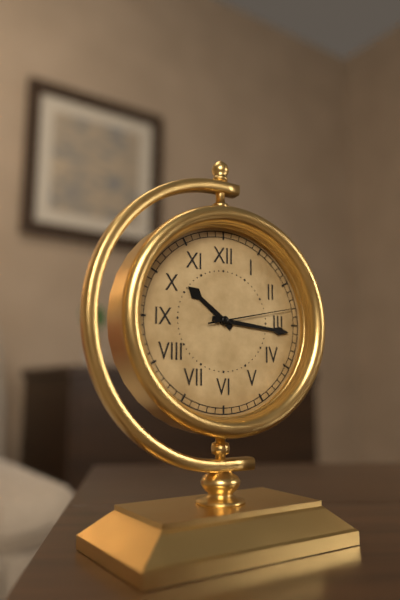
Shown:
10,16,13
